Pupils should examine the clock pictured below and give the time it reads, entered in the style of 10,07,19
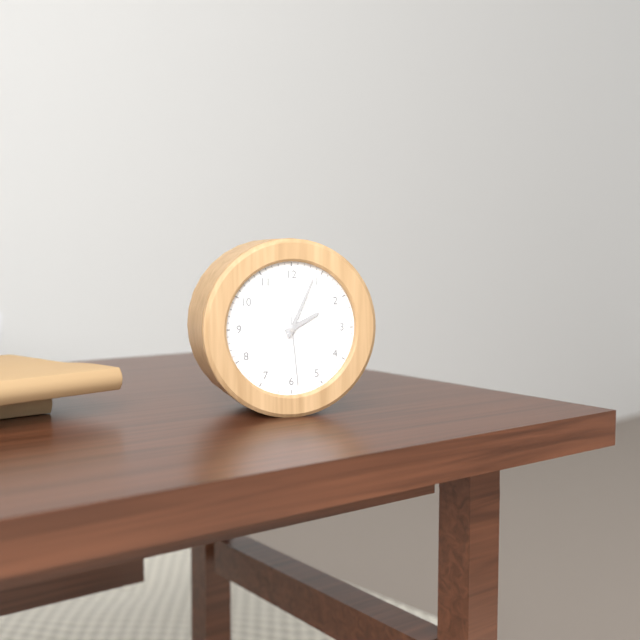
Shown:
2,04,29
